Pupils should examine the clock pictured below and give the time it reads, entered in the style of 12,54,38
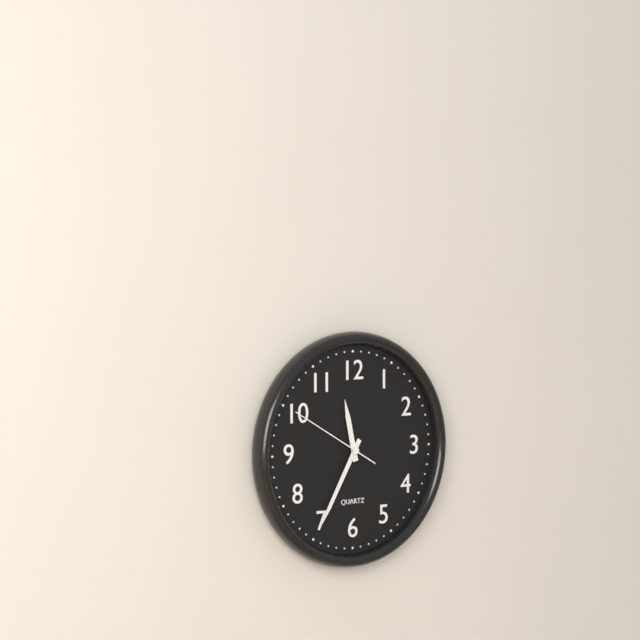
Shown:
11,35,50
